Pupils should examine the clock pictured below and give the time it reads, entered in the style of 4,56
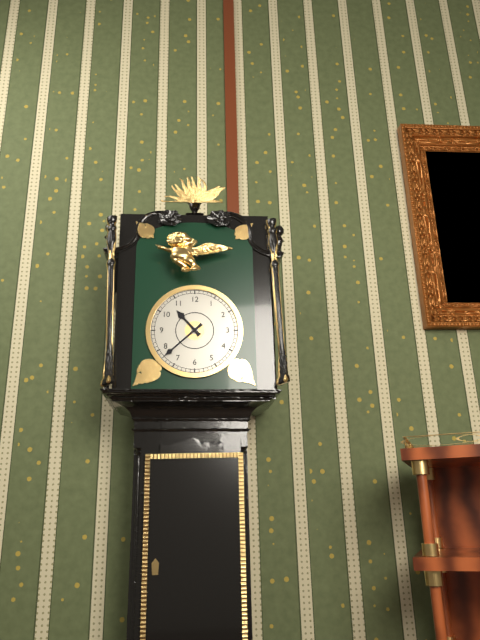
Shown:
10,38
